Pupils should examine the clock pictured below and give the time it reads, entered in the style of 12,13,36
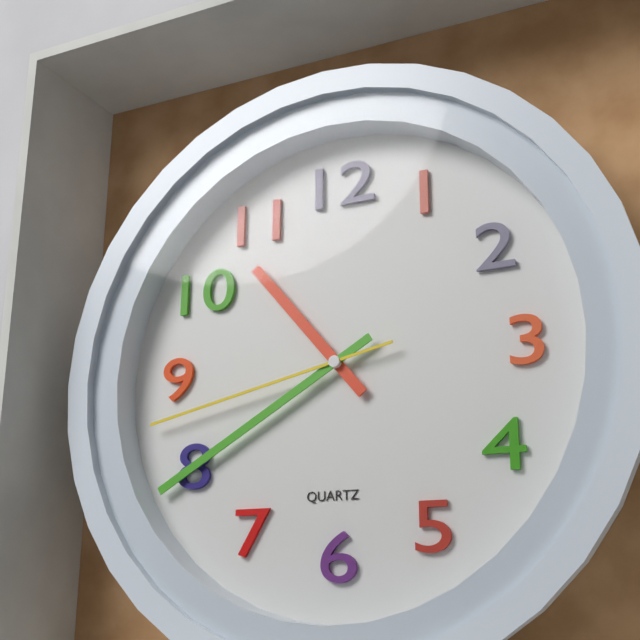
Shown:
10,40,43
